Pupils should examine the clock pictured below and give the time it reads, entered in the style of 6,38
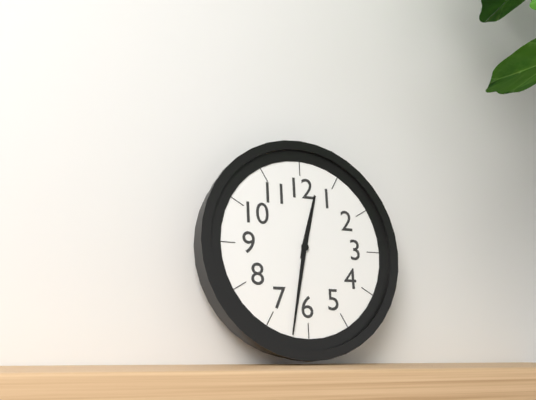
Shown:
12,32
